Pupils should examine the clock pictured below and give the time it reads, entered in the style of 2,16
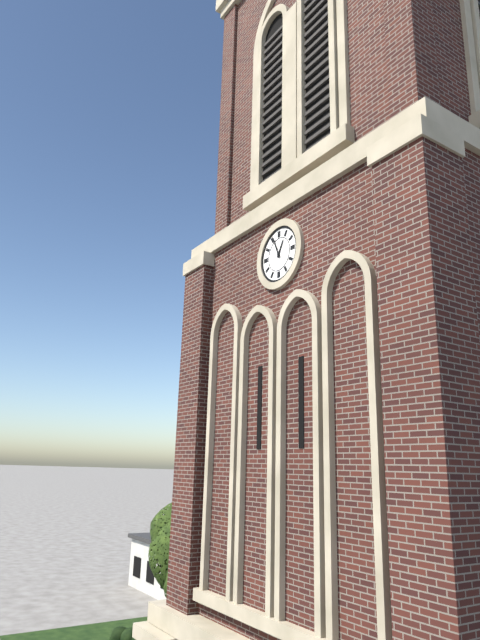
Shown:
12,56
